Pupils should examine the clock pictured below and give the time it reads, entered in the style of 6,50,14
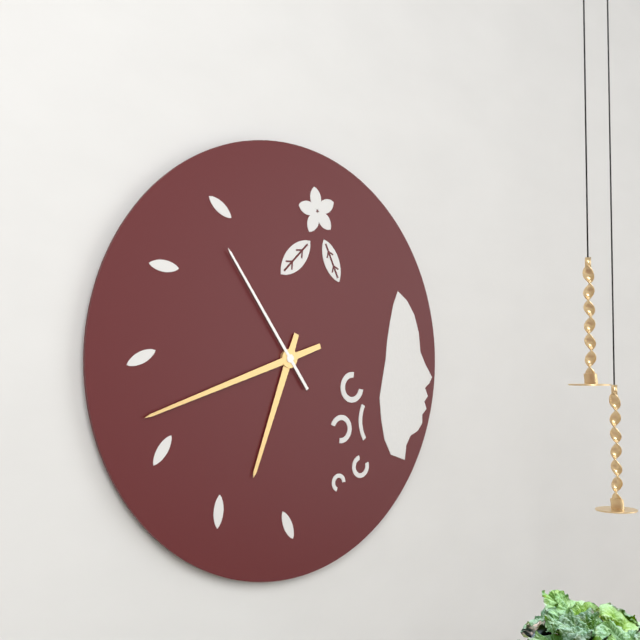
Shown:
6,42,54
